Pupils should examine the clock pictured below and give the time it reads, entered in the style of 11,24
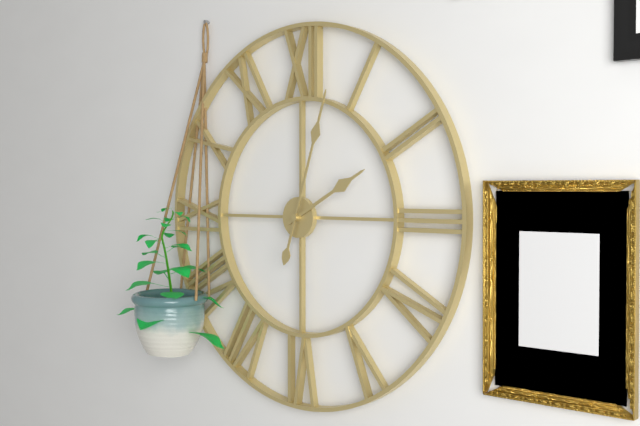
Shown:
2,03
